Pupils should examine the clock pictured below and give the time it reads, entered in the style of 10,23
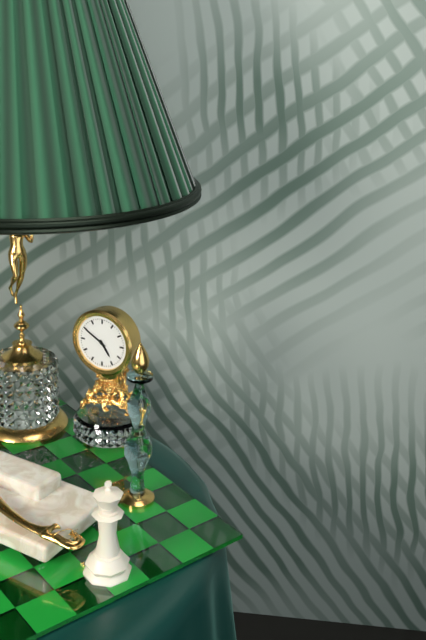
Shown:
4,50
